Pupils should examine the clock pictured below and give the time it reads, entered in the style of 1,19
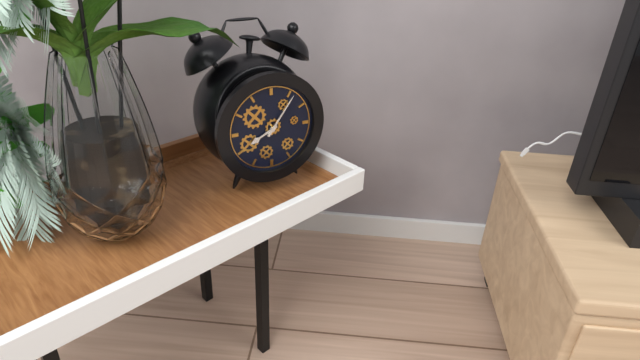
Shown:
8,06
